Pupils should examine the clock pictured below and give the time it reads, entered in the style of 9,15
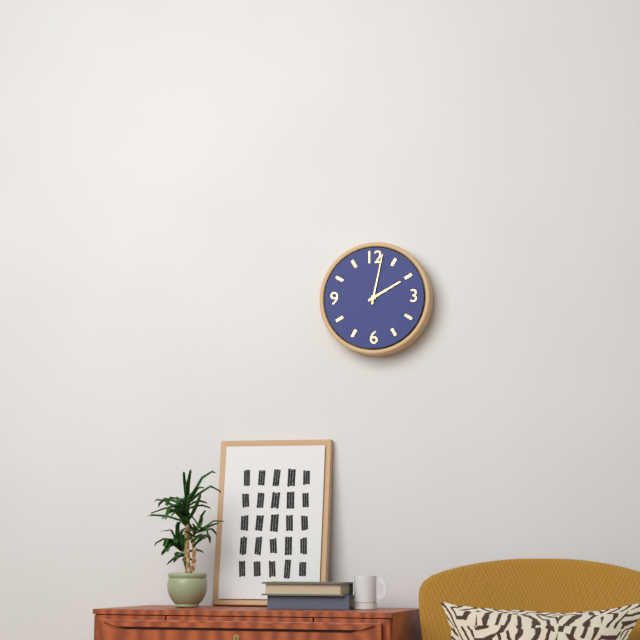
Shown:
2,02
